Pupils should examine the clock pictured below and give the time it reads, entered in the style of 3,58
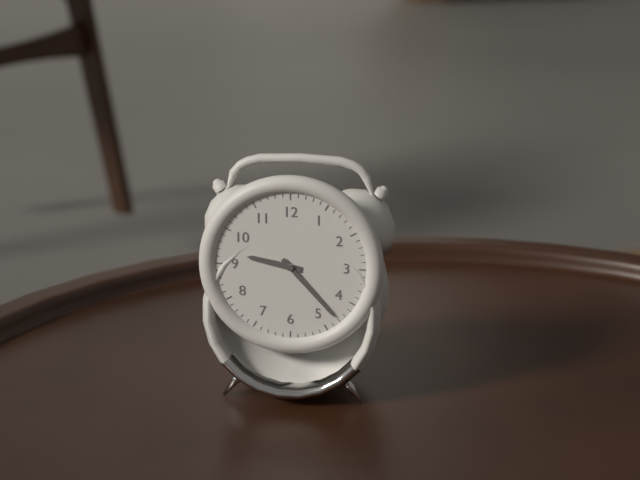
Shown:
9,23
